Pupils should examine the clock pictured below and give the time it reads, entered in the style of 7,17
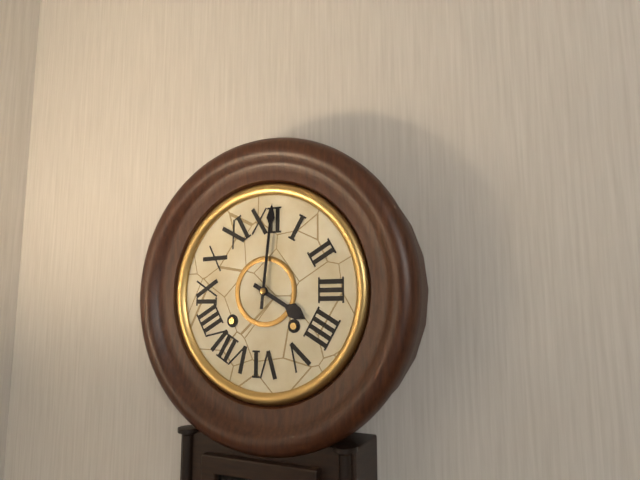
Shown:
4,01
